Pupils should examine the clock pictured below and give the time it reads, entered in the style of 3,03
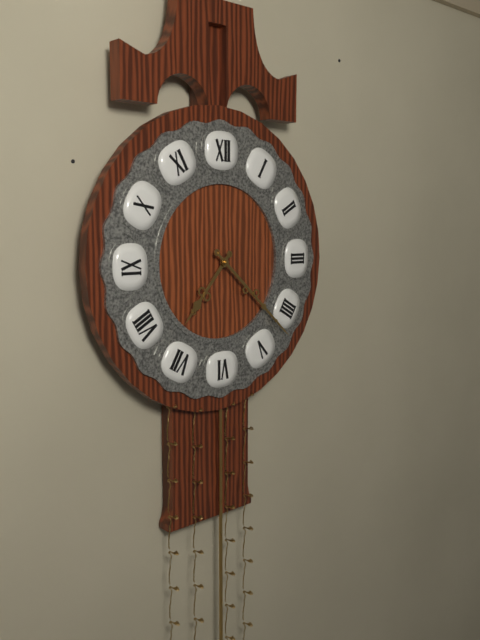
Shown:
7,22
